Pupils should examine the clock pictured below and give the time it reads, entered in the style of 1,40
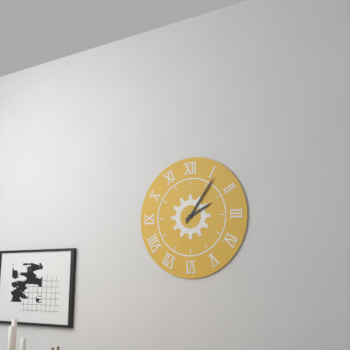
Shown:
2,06
